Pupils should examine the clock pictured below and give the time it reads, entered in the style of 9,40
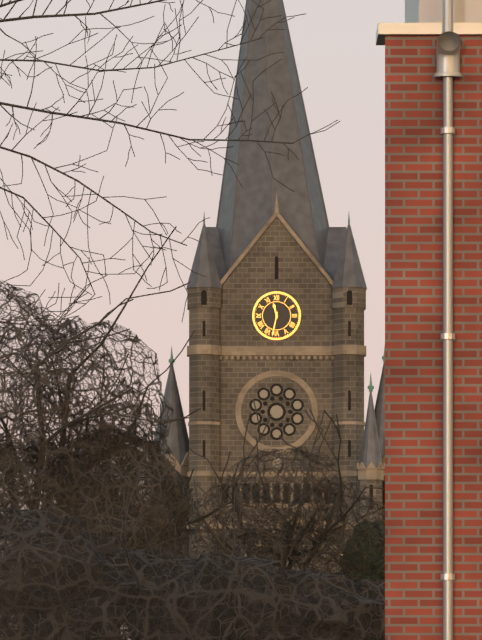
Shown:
11,32
